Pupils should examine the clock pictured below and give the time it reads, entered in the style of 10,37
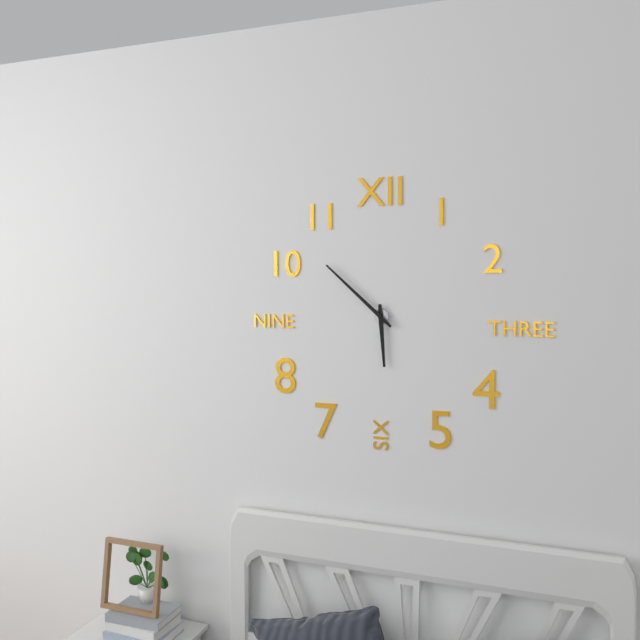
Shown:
5,52
